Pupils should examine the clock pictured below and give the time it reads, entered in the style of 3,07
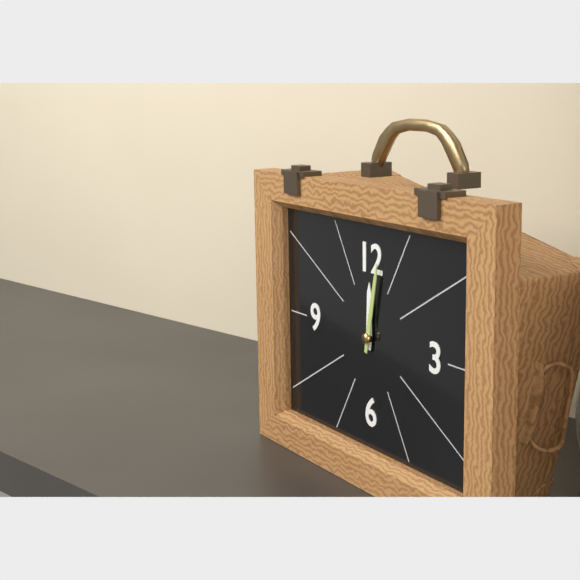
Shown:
12,02
